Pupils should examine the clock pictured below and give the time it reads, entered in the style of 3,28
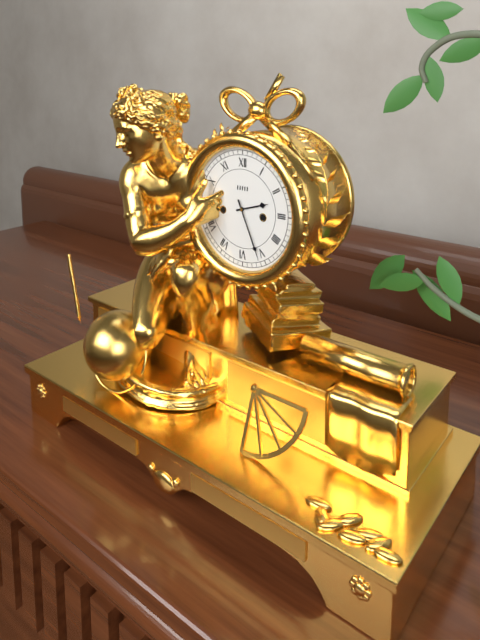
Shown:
2,26
